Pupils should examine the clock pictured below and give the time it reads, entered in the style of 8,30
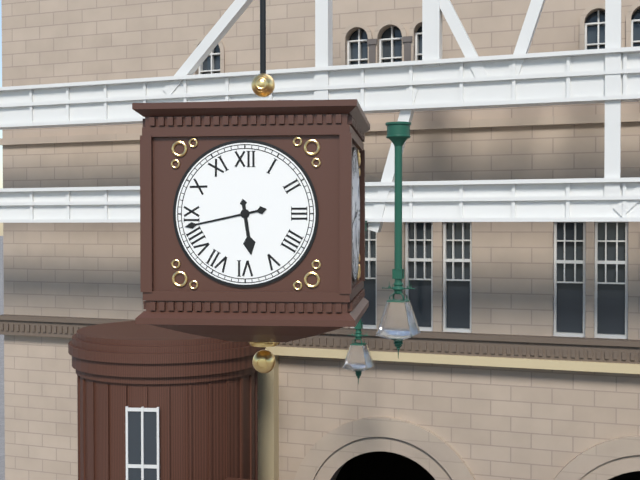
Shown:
5,43
